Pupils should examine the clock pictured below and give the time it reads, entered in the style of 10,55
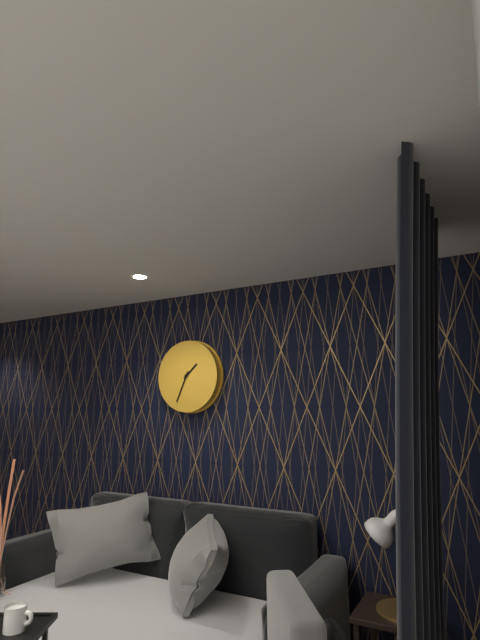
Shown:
1,34
